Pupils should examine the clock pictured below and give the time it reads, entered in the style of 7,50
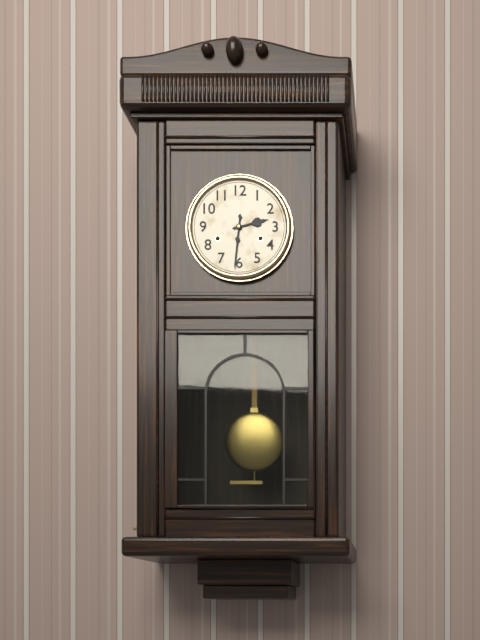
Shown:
2,31
